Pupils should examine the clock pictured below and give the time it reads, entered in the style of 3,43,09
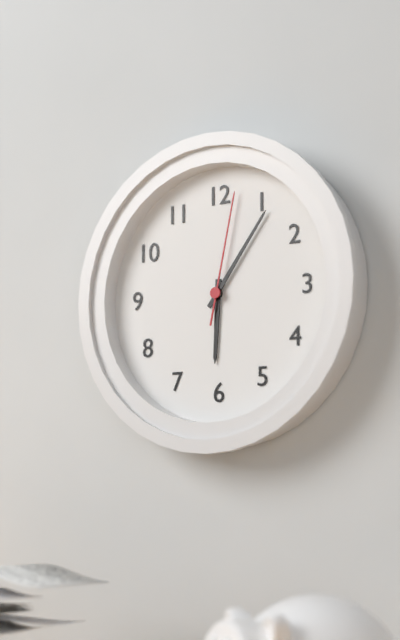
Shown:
6,06,02
